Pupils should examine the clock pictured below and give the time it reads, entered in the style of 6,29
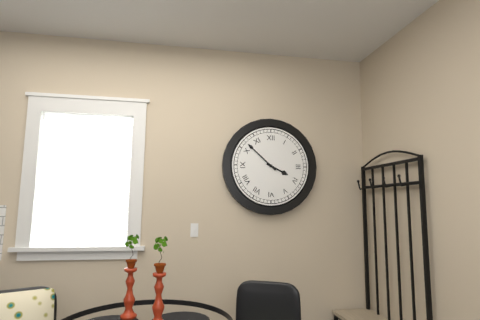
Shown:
3,52
